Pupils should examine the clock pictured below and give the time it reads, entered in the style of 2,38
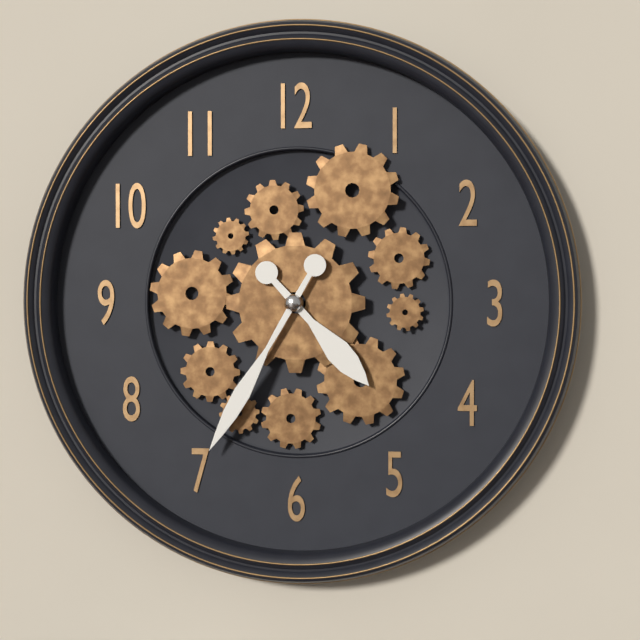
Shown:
4,35
